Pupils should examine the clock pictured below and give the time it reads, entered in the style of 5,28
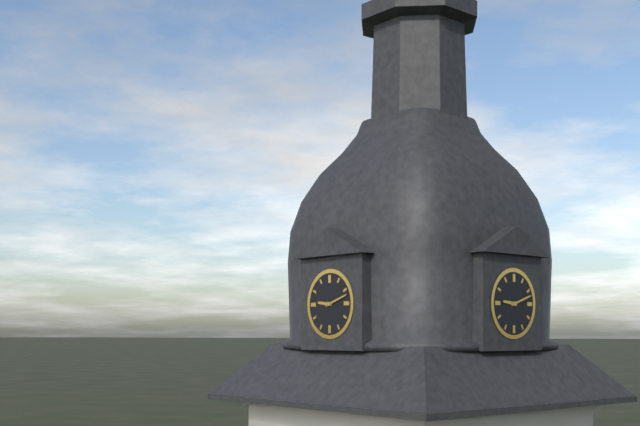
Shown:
9,12
